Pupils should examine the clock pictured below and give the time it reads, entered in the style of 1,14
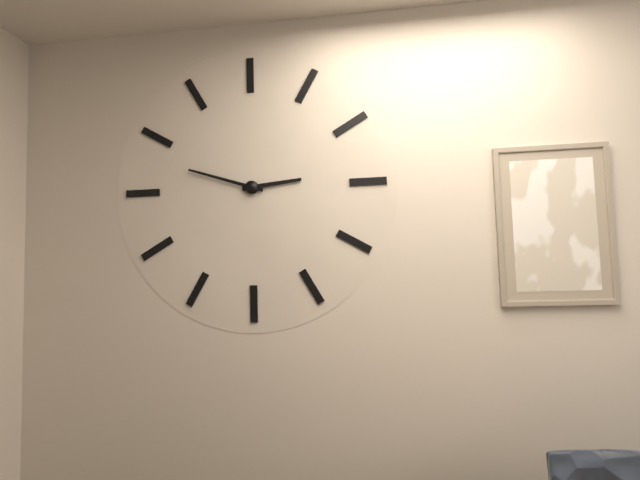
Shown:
2,48
